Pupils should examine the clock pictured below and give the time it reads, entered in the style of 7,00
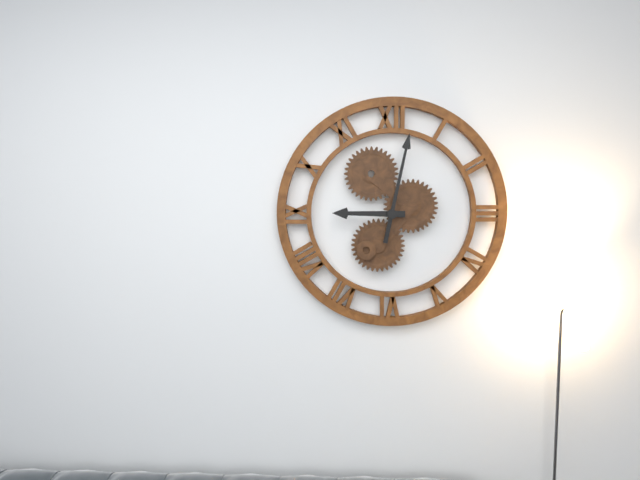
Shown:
9,02
